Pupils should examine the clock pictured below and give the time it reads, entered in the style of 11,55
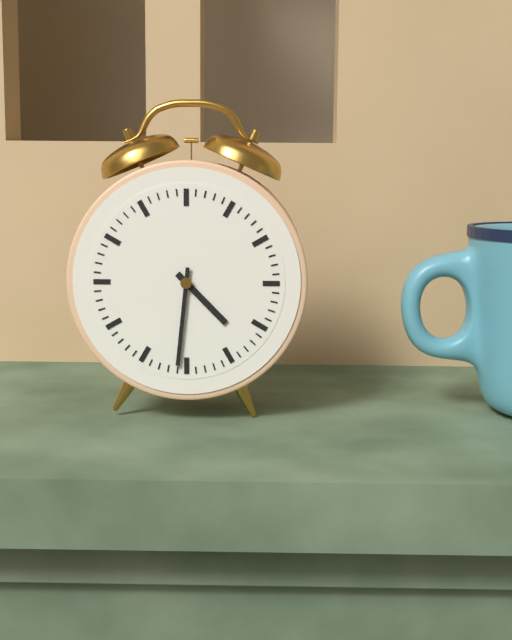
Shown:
4,31
